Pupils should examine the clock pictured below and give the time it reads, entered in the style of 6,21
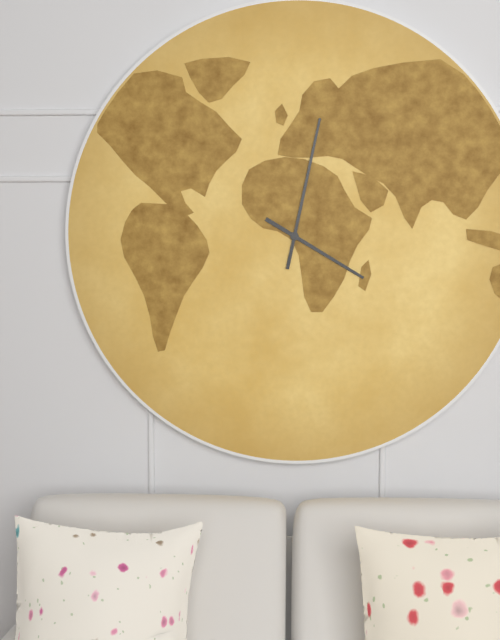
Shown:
4,02
